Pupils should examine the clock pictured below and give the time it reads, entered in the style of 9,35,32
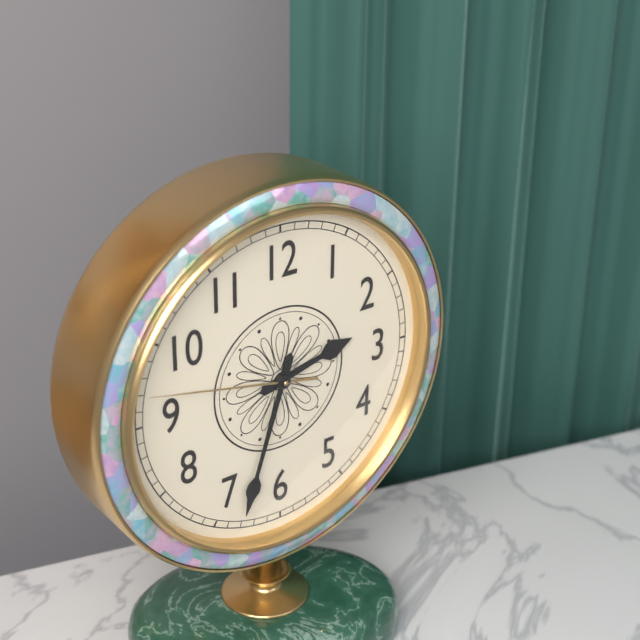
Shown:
2,33,47
